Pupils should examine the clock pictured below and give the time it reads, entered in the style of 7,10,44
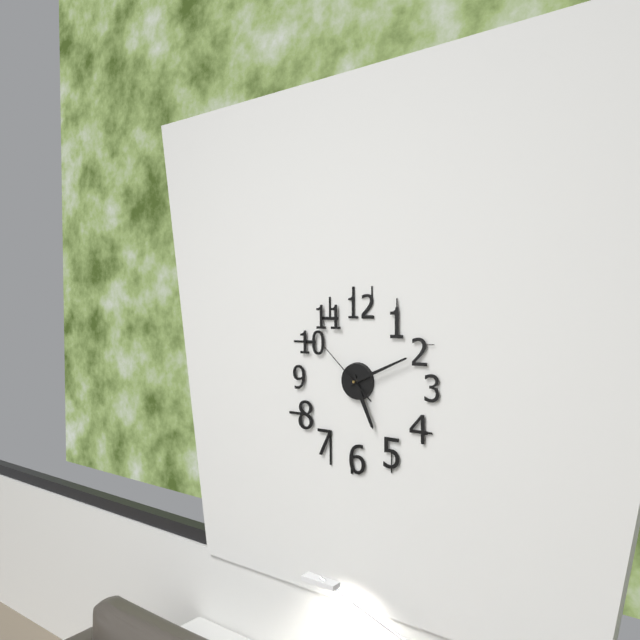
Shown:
5,11,52
